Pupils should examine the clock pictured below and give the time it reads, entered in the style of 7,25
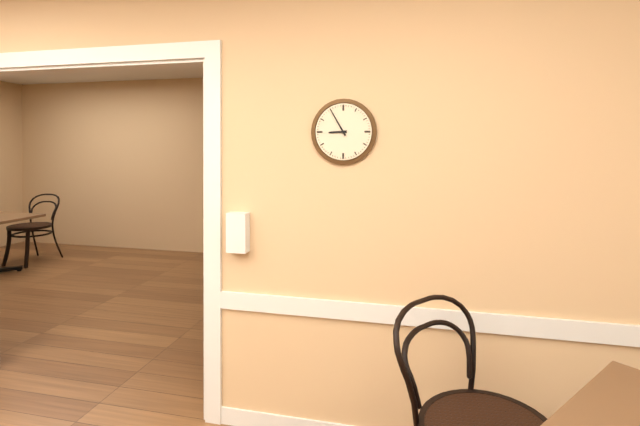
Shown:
8,55
